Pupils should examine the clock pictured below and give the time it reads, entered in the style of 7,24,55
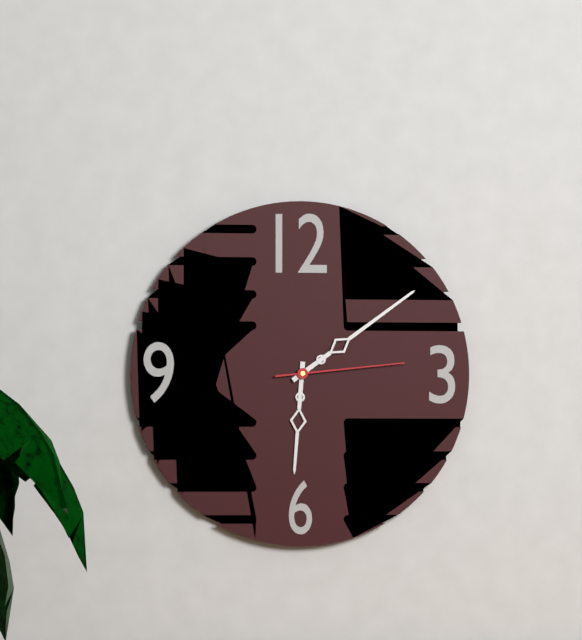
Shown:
6,09,14
